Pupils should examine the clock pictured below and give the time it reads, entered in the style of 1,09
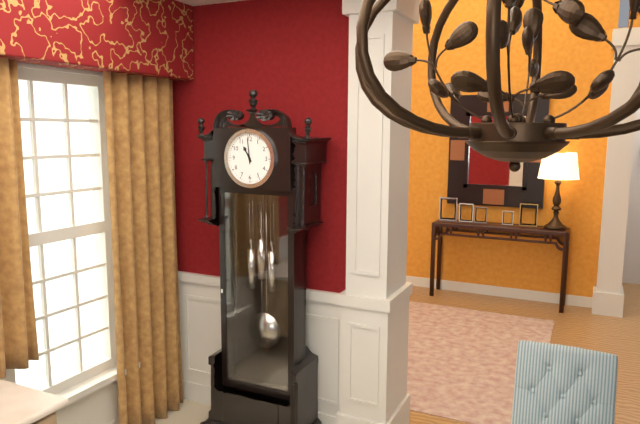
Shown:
10,59
